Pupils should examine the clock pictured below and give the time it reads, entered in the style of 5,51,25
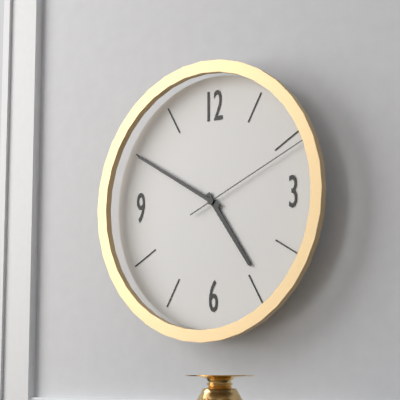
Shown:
4,50,11
